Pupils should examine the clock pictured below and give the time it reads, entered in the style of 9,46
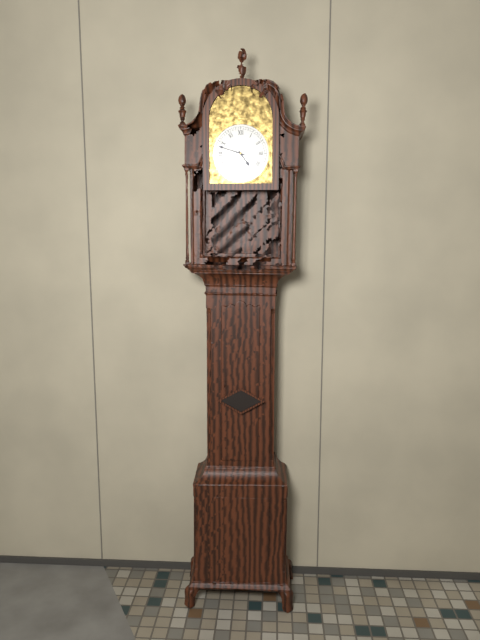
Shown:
4,48
